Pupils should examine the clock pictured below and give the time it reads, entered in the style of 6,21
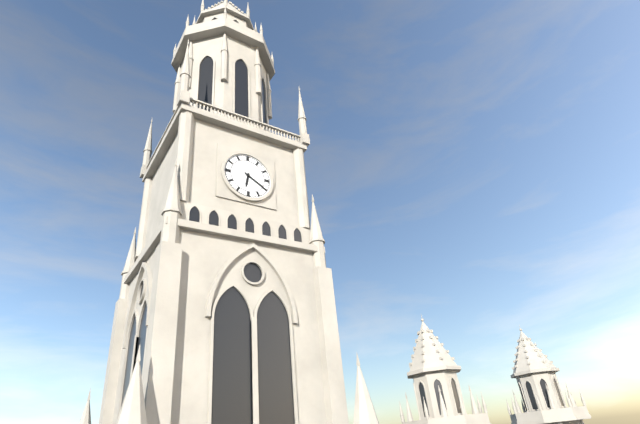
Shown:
6,20
